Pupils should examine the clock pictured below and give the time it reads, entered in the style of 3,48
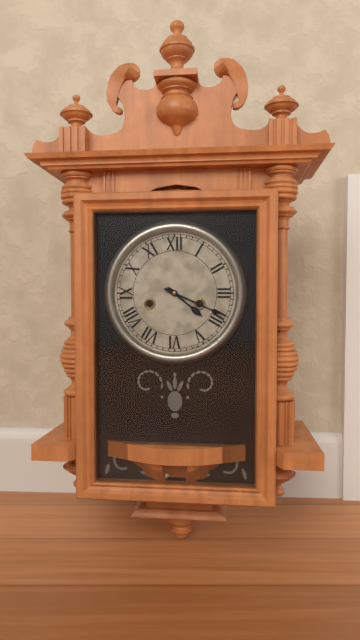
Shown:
4,19
